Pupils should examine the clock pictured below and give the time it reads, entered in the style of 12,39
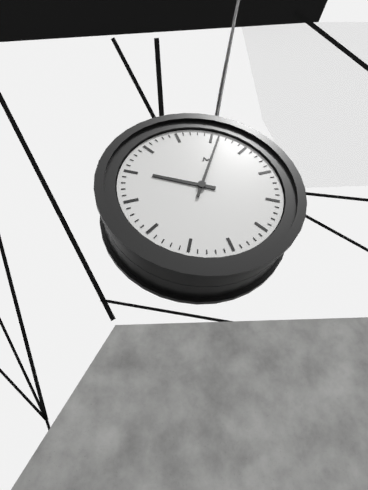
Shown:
9,01
